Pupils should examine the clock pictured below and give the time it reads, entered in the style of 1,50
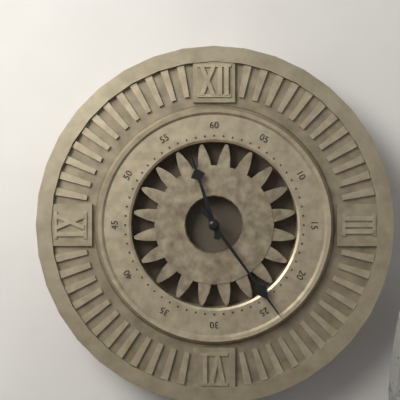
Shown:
11,24
